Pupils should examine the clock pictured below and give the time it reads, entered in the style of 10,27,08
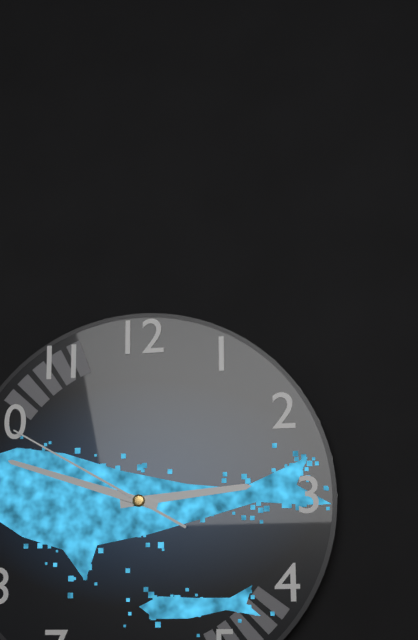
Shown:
2,48,50
